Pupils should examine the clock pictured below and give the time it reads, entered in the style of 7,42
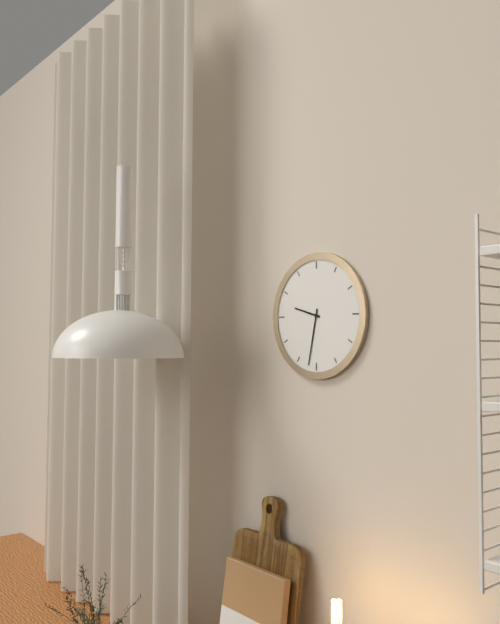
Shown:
9,32
